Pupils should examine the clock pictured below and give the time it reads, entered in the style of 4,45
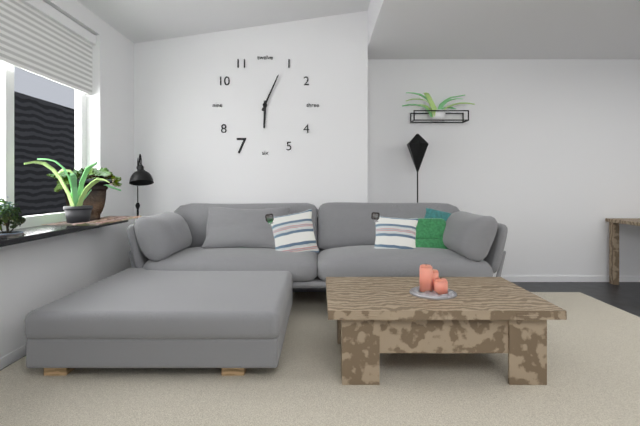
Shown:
6,04
